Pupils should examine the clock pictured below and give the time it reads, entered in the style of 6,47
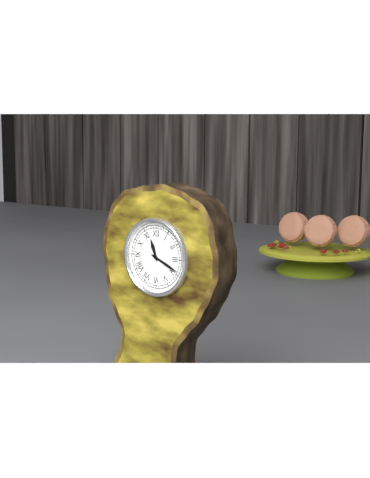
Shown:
11,19
